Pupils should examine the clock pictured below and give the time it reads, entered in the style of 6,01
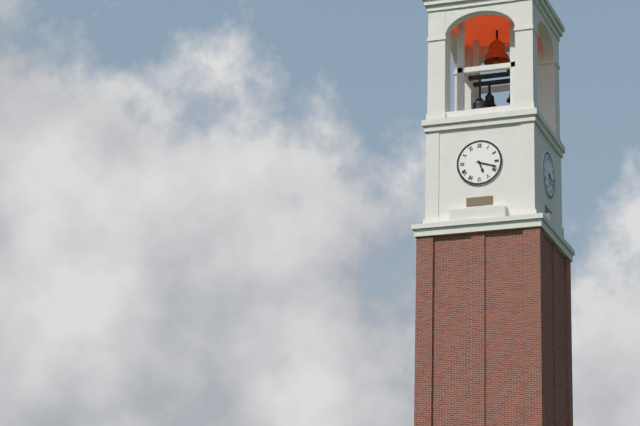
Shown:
5,18
